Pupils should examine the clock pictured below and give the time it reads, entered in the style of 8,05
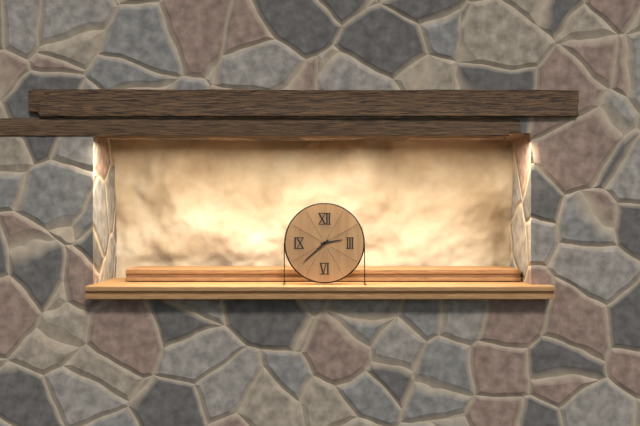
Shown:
2,38
